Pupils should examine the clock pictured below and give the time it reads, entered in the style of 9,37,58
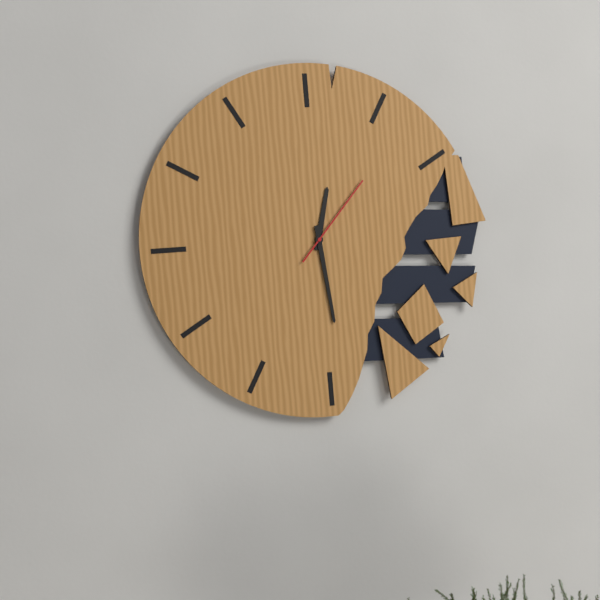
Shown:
12,29,07
